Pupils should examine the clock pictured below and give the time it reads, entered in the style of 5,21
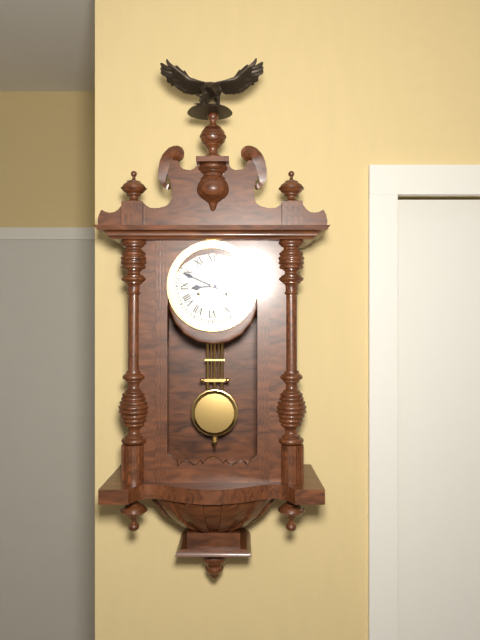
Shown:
8,49
